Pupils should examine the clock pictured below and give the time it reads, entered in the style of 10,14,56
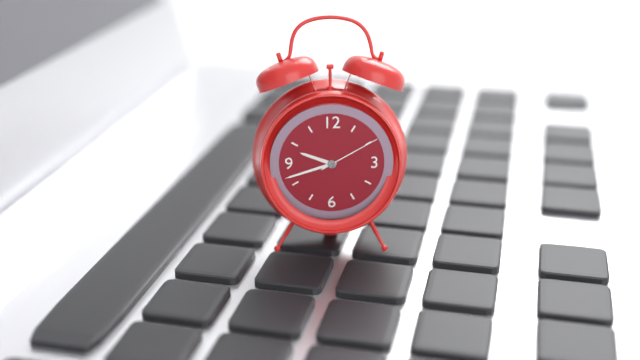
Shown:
9,42,10
